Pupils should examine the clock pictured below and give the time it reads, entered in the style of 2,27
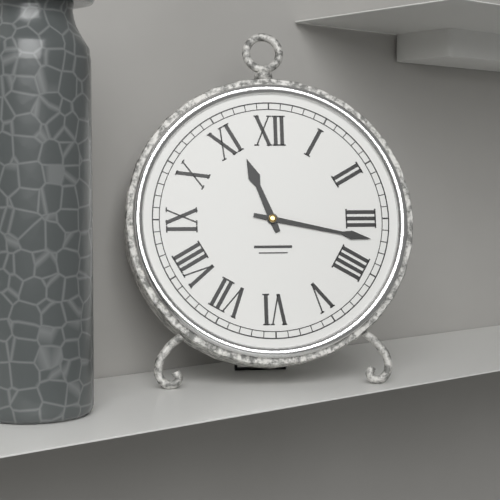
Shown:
11,17
